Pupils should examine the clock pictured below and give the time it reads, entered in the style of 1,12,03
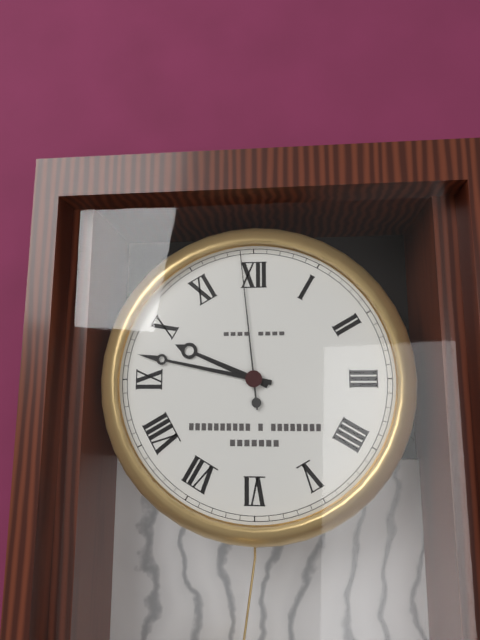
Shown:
9,47,59
